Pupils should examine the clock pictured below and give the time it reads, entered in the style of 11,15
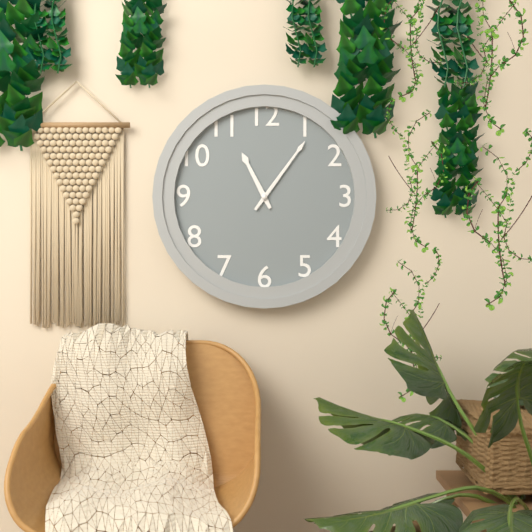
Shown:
11,06
